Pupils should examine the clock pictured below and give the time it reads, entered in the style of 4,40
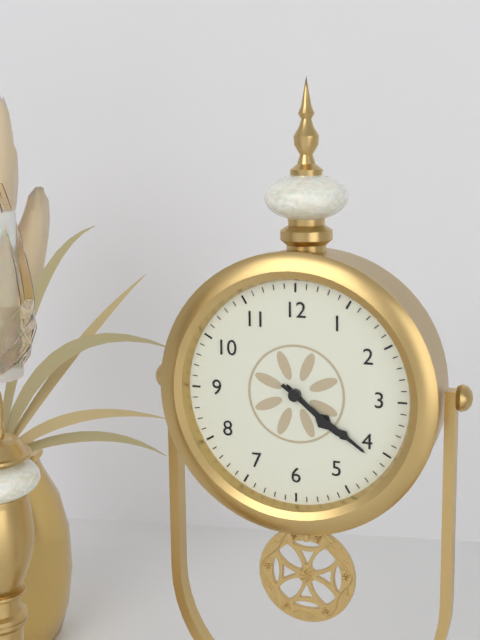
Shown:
4,21
